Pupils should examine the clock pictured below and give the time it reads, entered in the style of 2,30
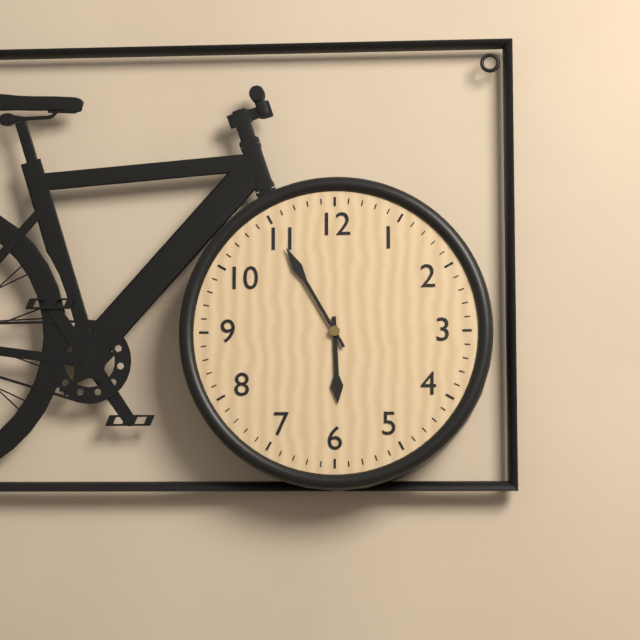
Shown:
5,55
